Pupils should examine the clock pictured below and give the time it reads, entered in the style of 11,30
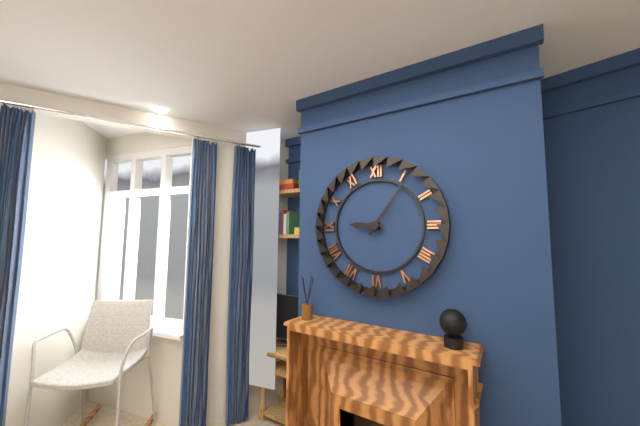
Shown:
9,06
